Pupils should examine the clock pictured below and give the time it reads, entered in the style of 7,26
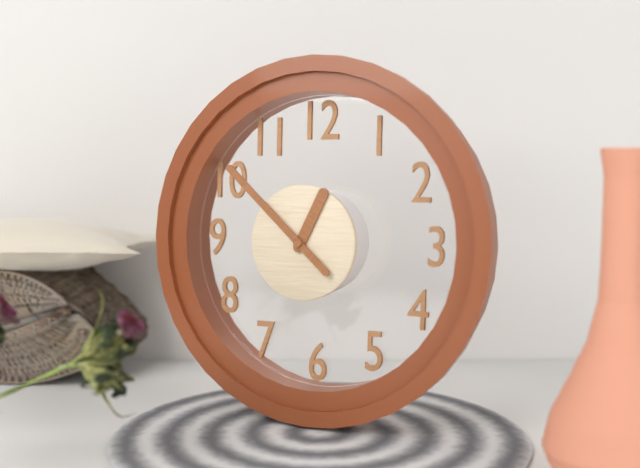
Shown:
12,52
